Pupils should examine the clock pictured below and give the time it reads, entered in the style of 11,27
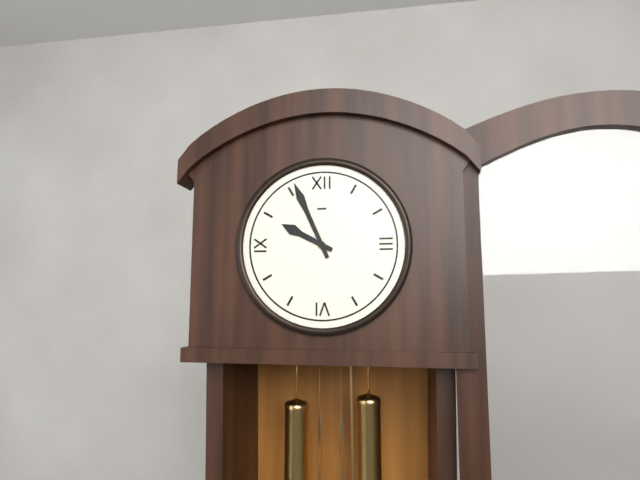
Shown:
9,56
